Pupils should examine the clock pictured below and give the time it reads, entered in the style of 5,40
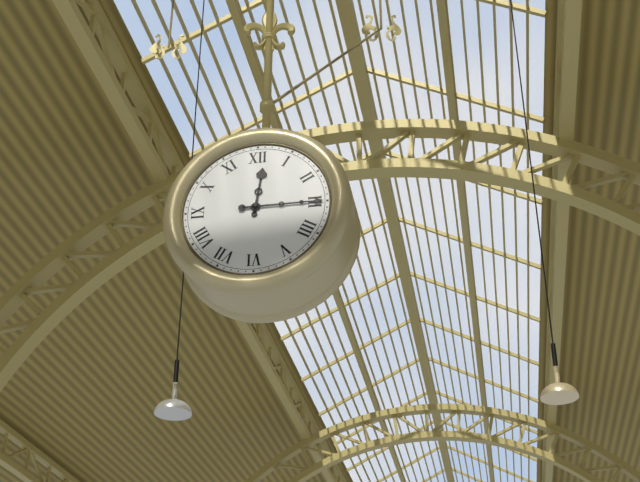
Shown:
12,15
